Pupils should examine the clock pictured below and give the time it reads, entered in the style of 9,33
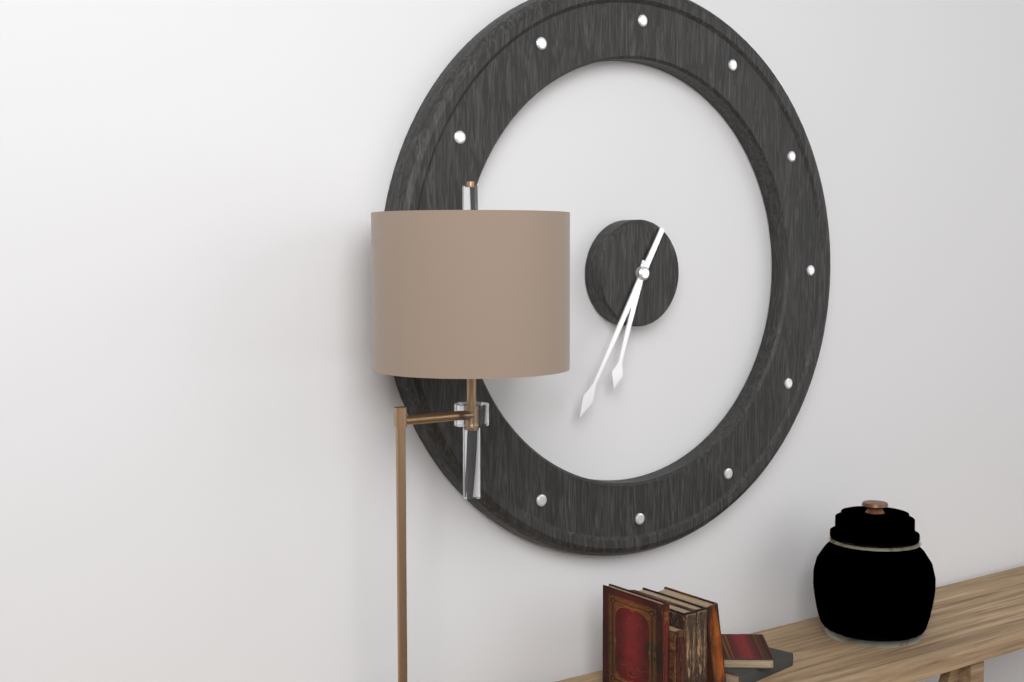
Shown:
6,35
